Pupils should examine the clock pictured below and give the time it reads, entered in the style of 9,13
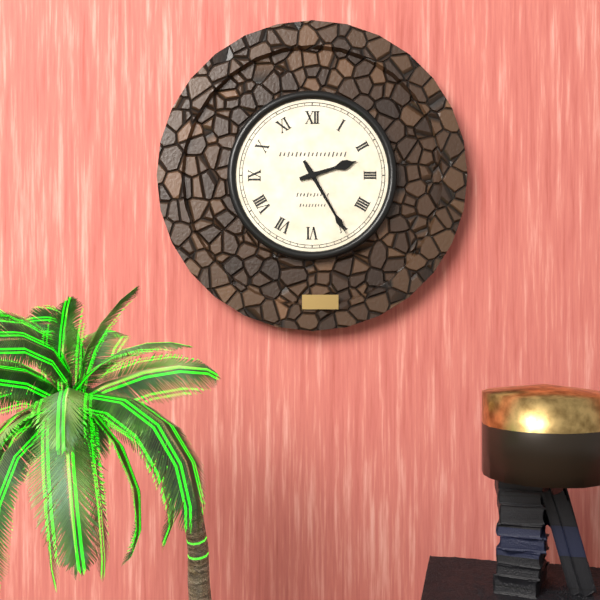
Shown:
2,25
